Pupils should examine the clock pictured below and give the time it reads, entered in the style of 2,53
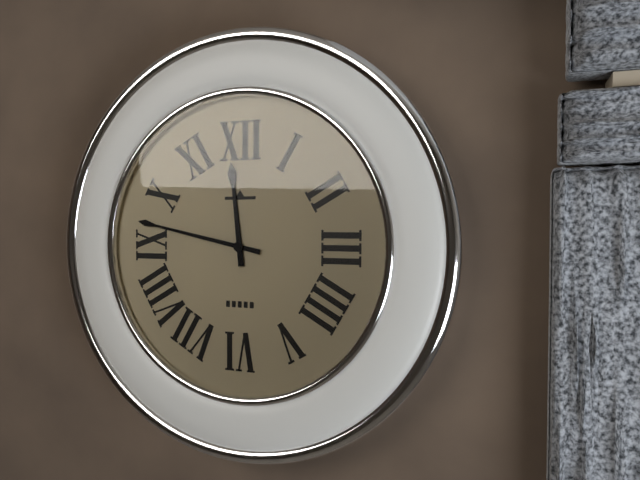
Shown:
11,47
